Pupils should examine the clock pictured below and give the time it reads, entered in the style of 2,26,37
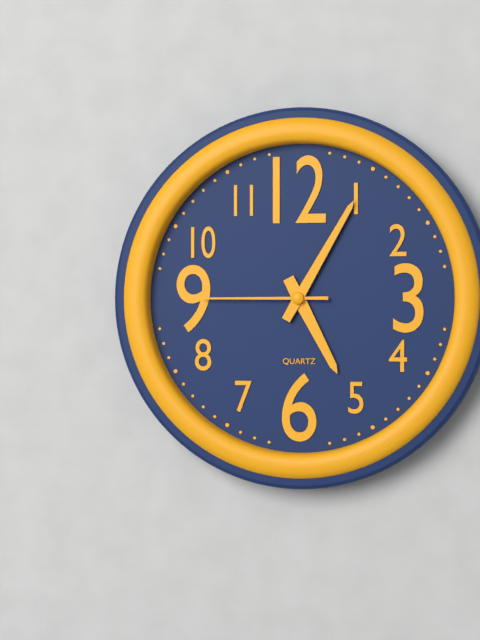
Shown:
5,05,45
